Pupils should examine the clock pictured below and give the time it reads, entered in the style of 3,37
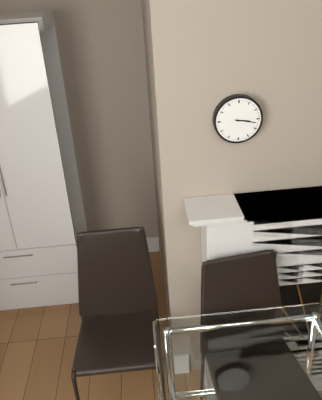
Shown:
3,17
